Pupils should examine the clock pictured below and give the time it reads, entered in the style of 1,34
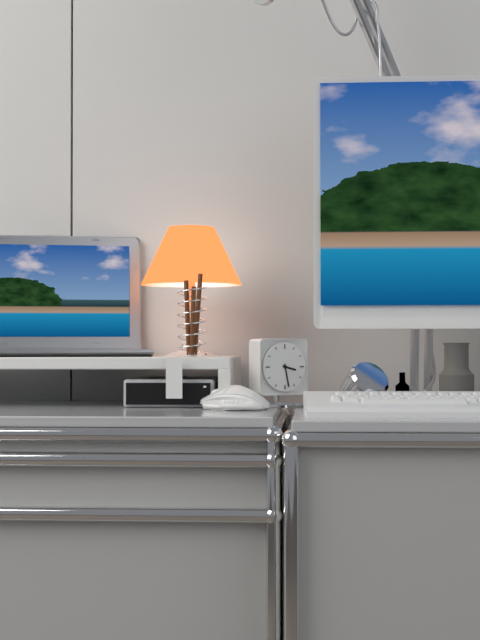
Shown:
3,28
